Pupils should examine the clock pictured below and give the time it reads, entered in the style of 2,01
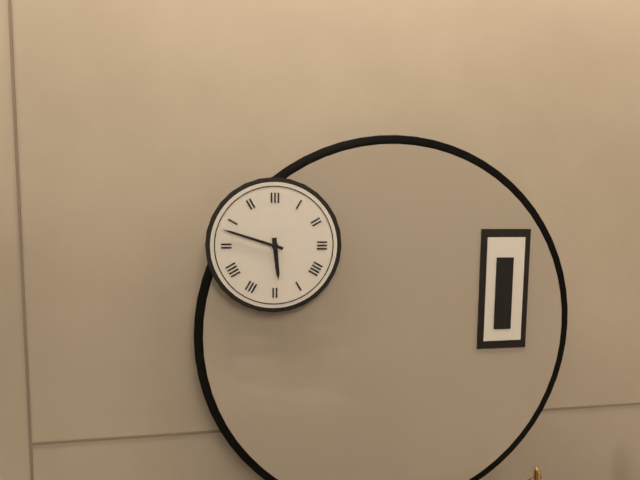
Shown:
5,48
